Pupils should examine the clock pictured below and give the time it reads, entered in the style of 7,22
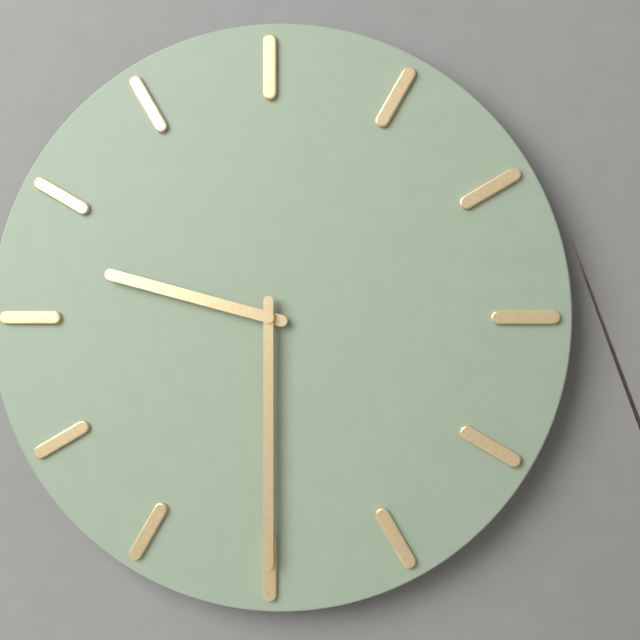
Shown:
9,30
